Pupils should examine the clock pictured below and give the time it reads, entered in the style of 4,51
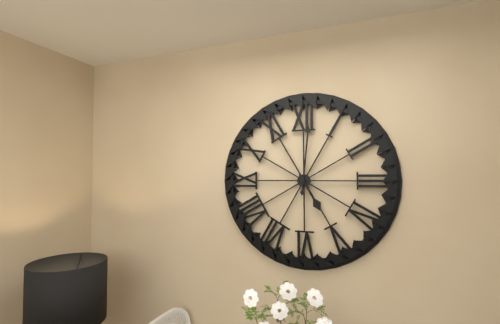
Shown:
5,01
